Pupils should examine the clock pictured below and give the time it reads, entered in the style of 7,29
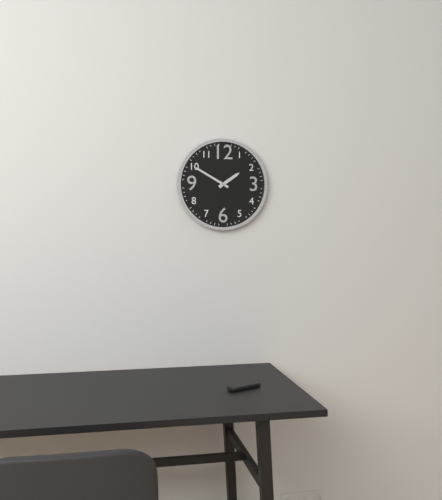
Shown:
1,50
